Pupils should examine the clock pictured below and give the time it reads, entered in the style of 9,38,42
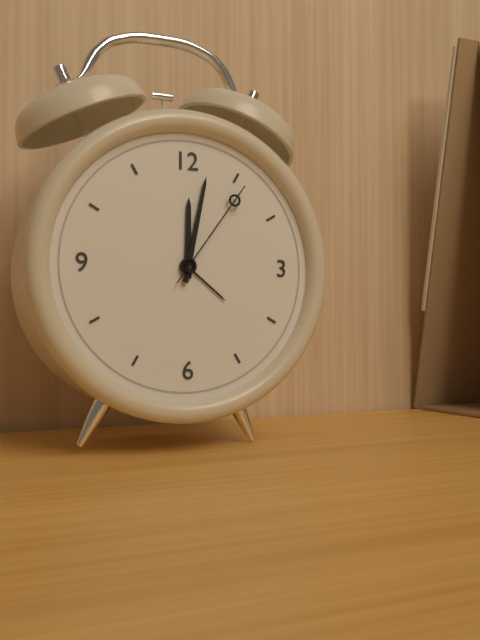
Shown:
12,02,06
